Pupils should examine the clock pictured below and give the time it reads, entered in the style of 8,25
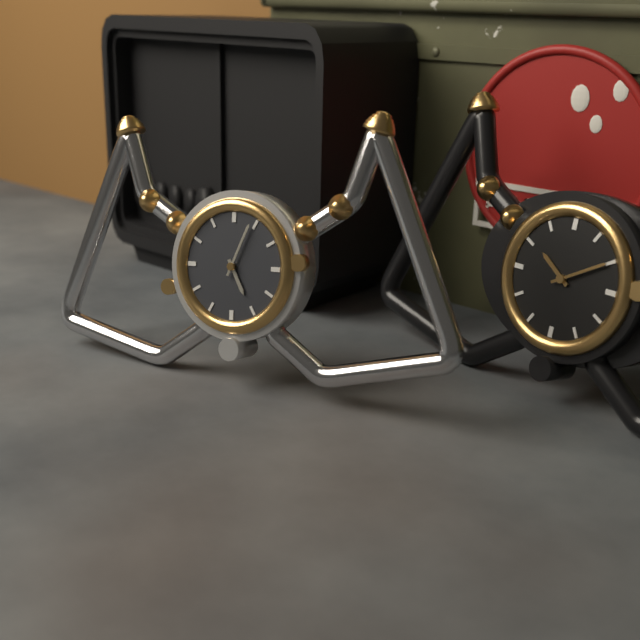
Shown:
5,04
